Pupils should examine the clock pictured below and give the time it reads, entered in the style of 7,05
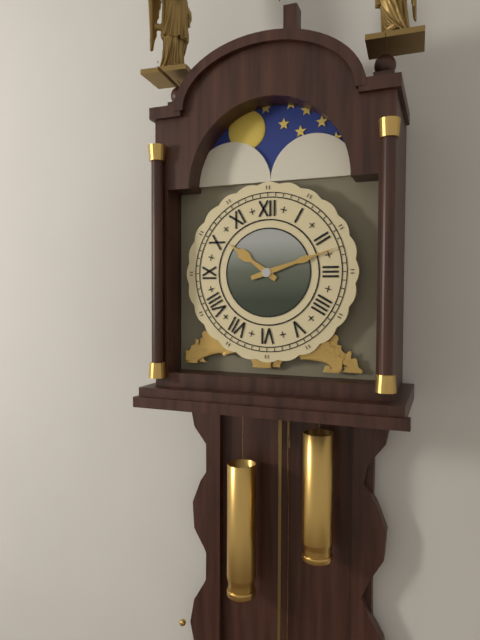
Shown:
10,12
